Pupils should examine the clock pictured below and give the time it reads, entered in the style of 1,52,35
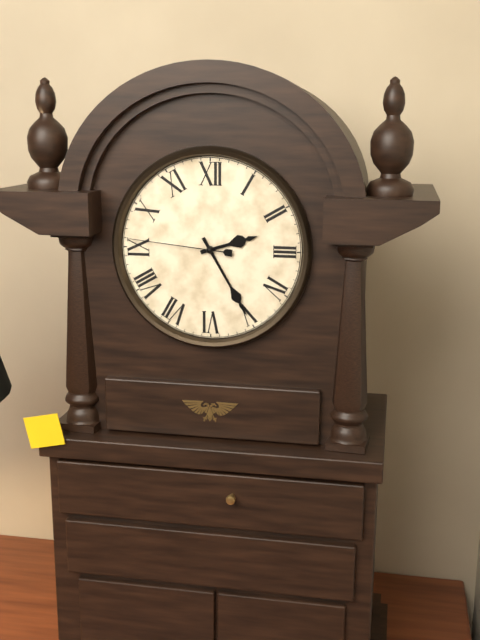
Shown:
2,25,46
